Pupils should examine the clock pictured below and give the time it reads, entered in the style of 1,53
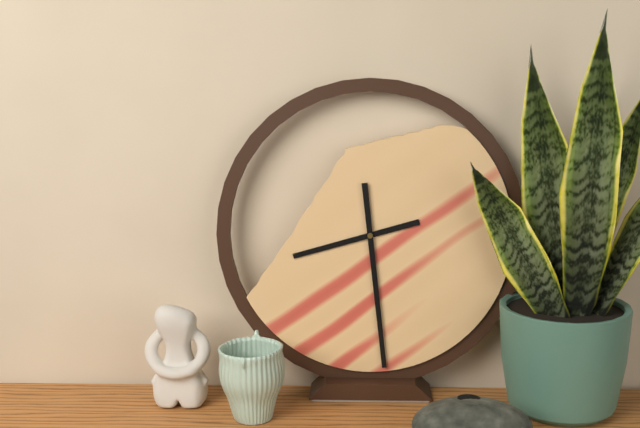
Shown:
8,29
